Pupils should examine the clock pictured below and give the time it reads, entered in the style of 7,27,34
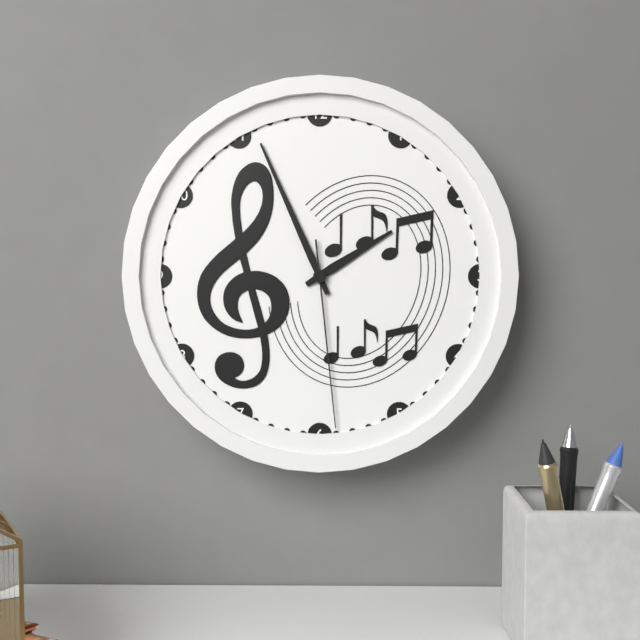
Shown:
1,56,29
